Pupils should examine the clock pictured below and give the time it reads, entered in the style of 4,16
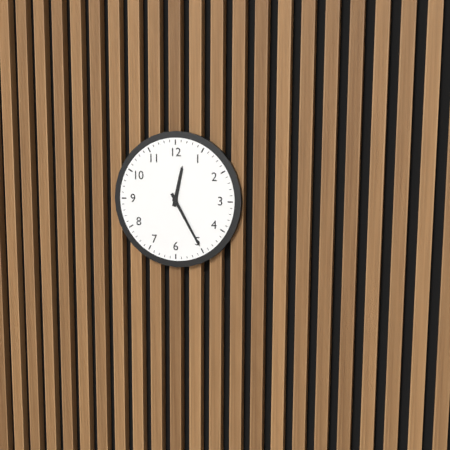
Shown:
12,25
